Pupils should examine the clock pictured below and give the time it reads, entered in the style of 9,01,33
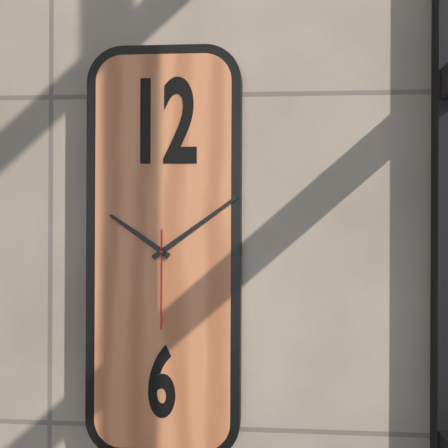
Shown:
10,09,30
